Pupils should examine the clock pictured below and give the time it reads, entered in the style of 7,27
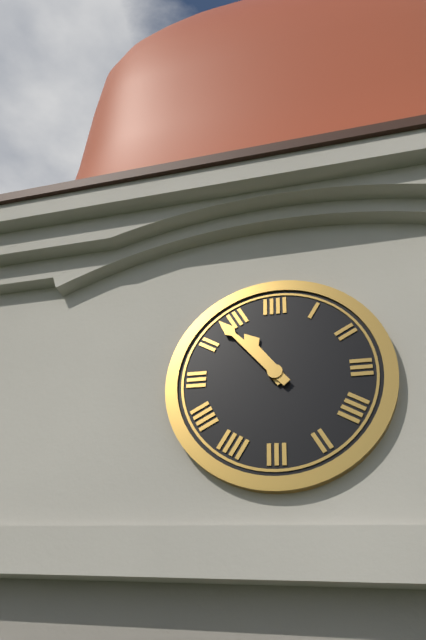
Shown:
10,53
